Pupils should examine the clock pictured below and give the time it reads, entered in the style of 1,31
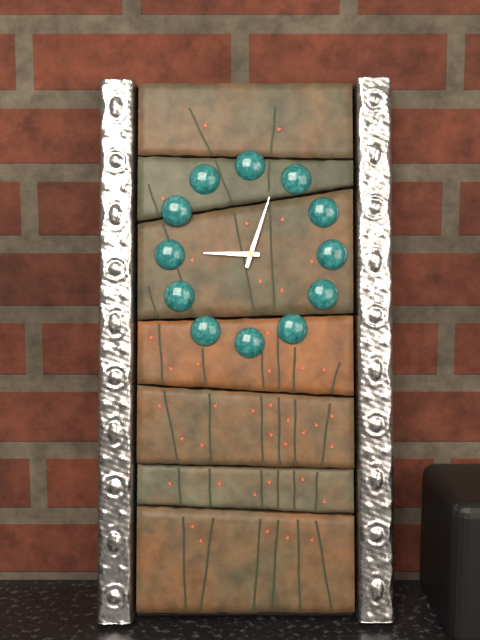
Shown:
9,03
